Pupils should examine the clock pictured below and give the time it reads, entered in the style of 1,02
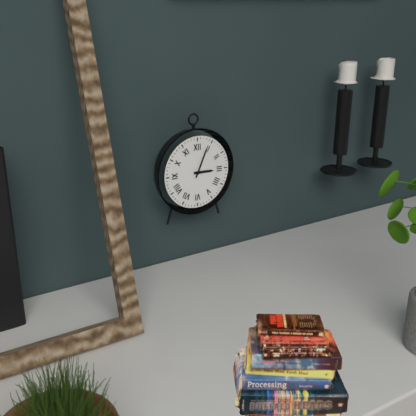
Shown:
3,04
